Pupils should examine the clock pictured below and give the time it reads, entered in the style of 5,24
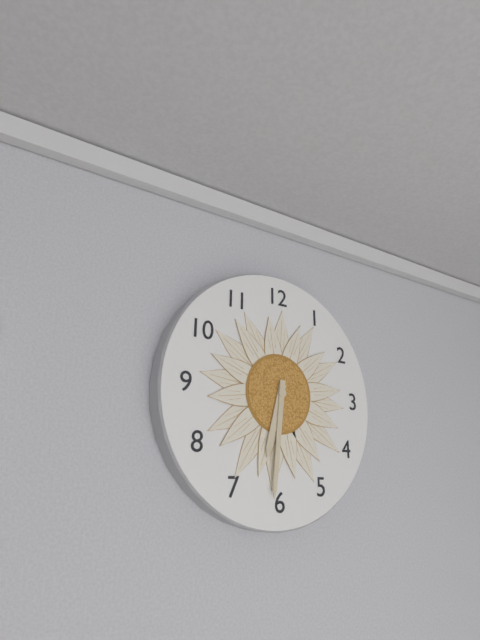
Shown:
6,31
